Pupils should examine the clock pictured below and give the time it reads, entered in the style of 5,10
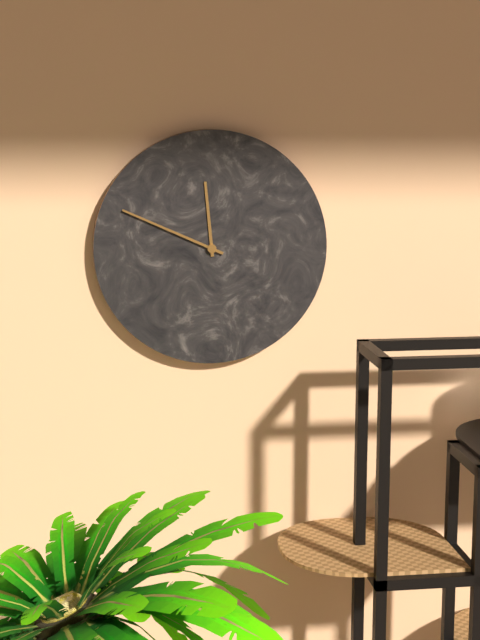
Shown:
11,49
